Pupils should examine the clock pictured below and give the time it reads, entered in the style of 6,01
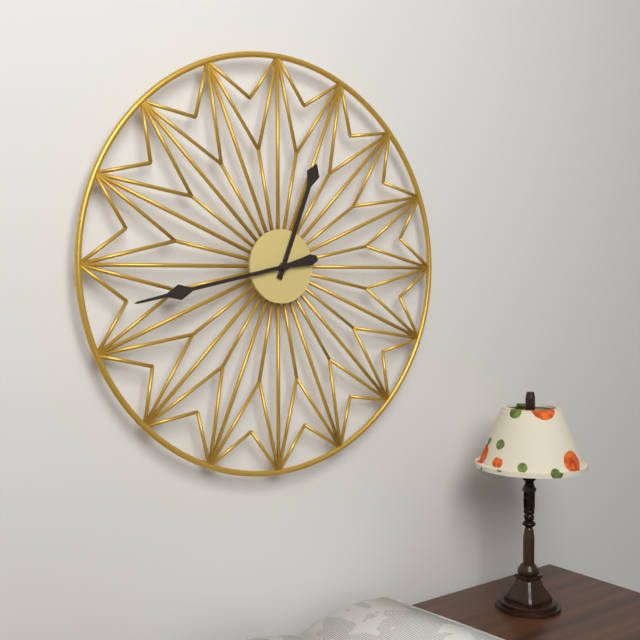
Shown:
12,43
